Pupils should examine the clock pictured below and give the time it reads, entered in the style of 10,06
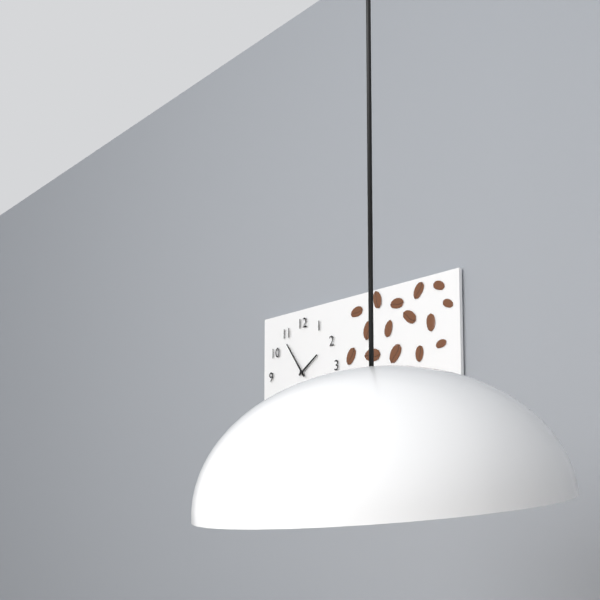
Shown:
1,54
